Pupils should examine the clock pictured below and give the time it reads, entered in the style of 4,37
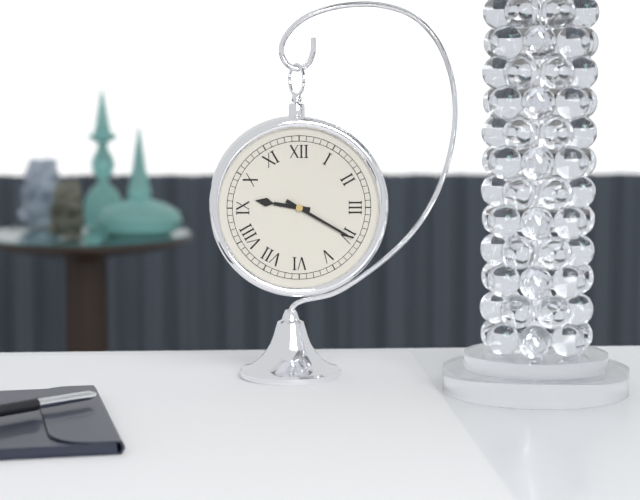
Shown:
9,20
